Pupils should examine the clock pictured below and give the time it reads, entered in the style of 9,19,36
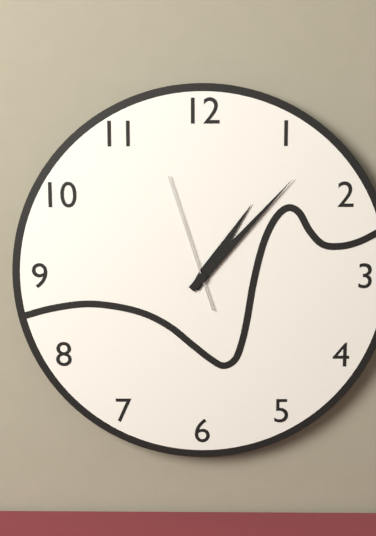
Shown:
1,07,57
